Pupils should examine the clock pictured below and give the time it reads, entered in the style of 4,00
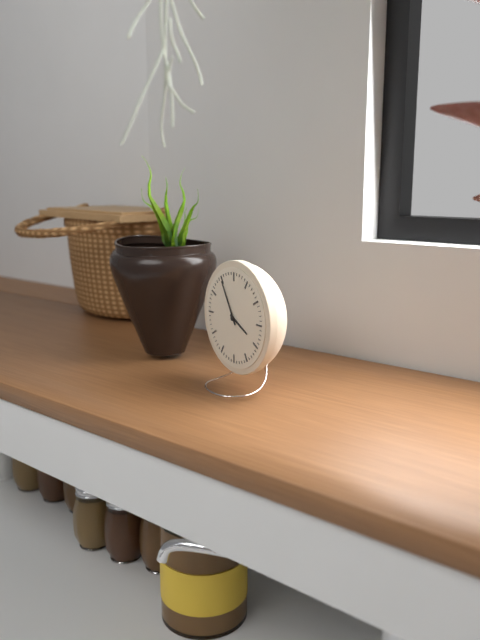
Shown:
3,55
